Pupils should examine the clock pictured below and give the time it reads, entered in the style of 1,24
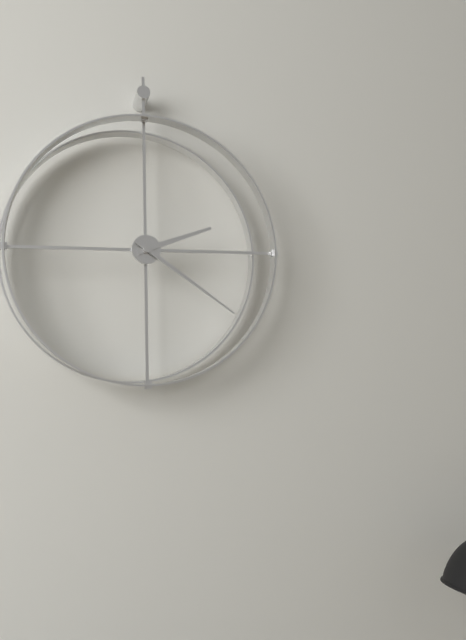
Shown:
2,21
